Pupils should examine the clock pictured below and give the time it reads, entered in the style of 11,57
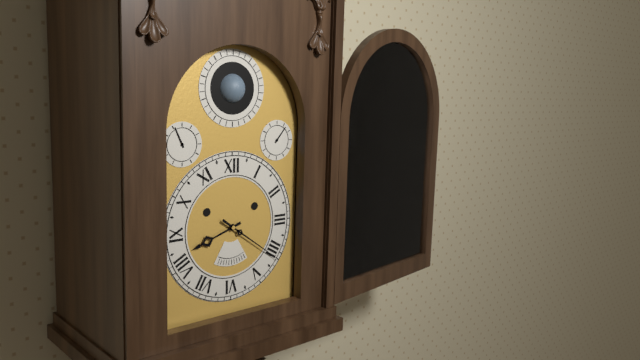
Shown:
8,21
